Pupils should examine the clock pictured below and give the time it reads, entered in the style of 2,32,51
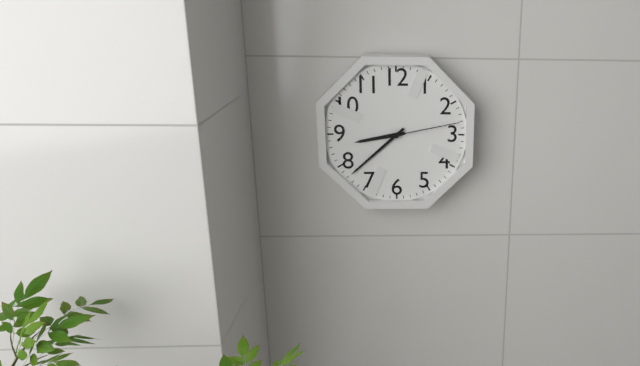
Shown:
8,38,13
